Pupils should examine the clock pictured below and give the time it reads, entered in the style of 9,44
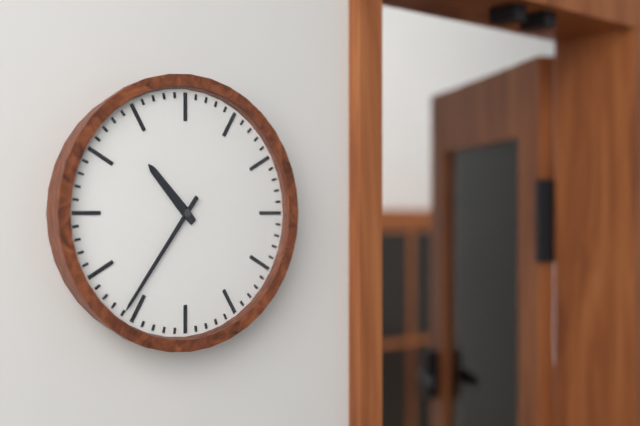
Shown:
10,36
